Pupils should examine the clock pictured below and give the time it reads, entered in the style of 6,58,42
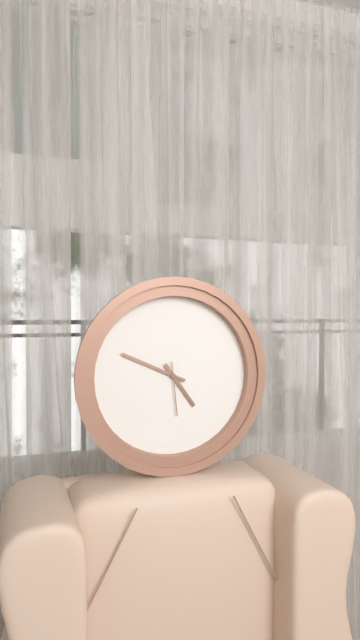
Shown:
4,49,29
